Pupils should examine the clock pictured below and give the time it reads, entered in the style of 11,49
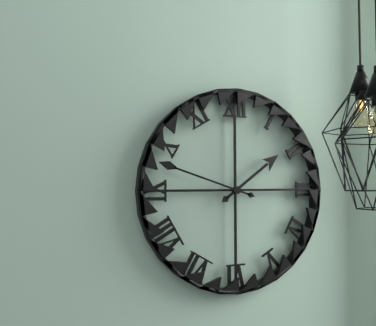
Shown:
1,48
